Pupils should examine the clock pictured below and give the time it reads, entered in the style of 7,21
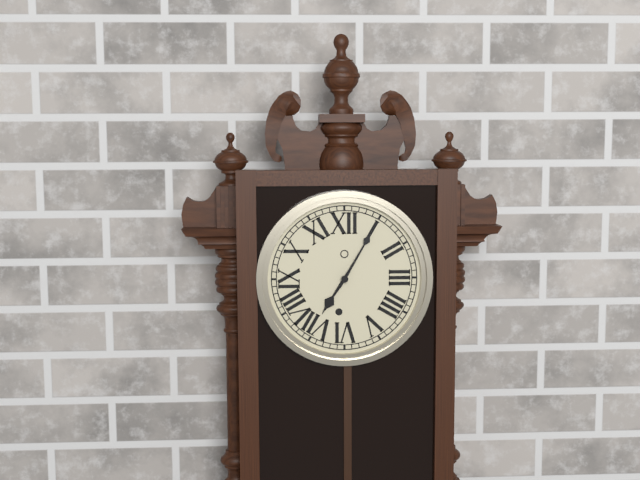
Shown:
7,05
